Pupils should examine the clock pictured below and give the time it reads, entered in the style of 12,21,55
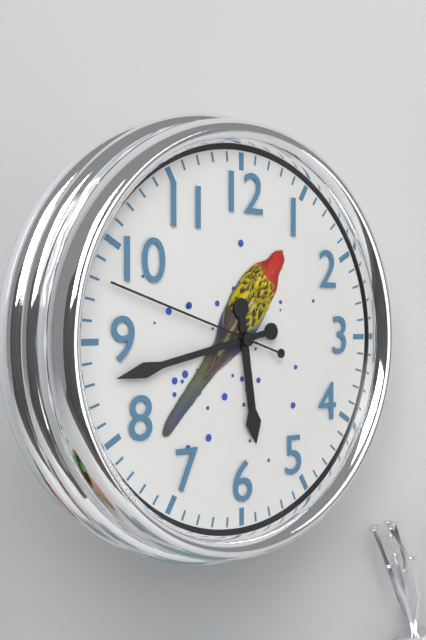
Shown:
5,43,48
